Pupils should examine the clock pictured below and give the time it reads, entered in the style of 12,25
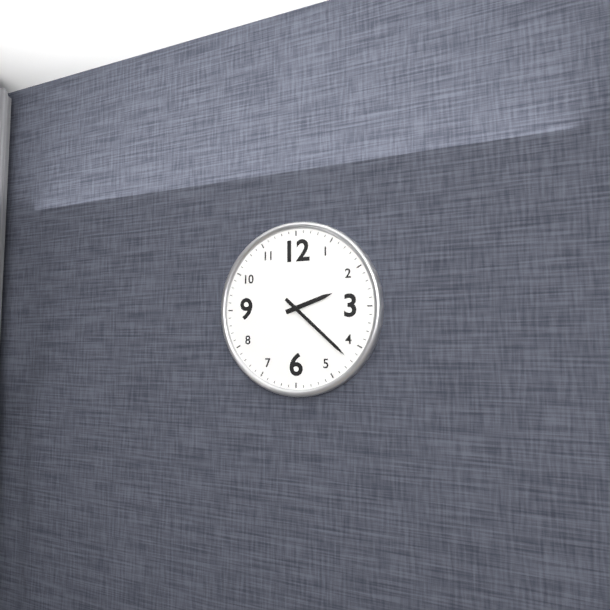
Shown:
2,22
